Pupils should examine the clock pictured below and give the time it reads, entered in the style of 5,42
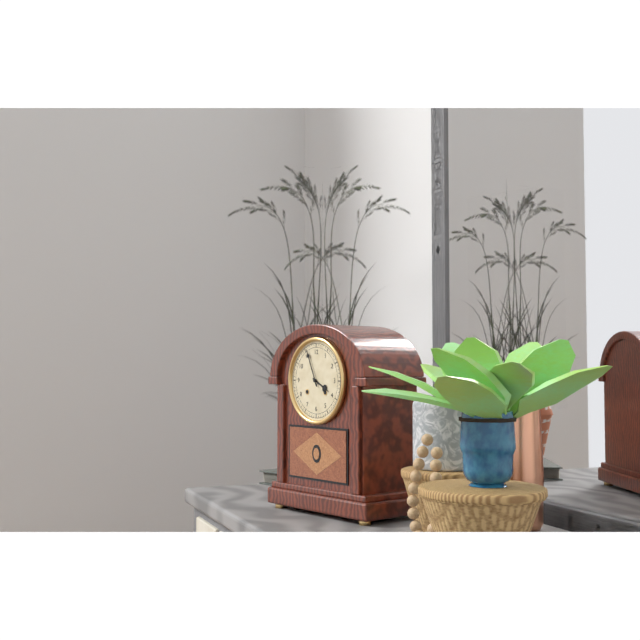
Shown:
3,56
